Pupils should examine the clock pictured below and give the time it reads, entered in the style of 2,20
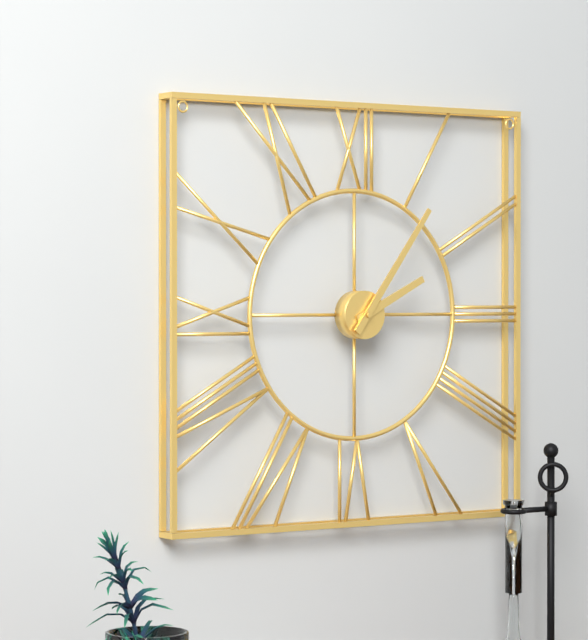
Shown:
2,06
